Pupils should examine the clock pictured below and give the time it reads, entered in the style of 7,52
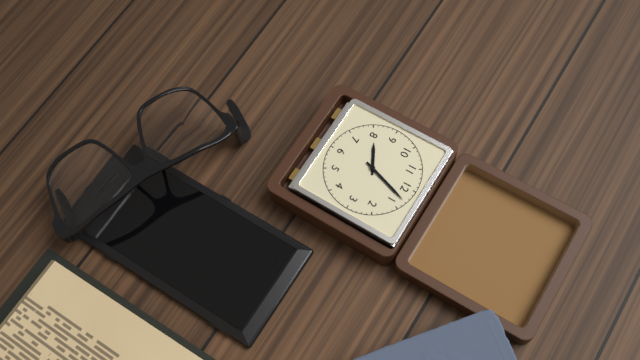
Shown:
8,03
